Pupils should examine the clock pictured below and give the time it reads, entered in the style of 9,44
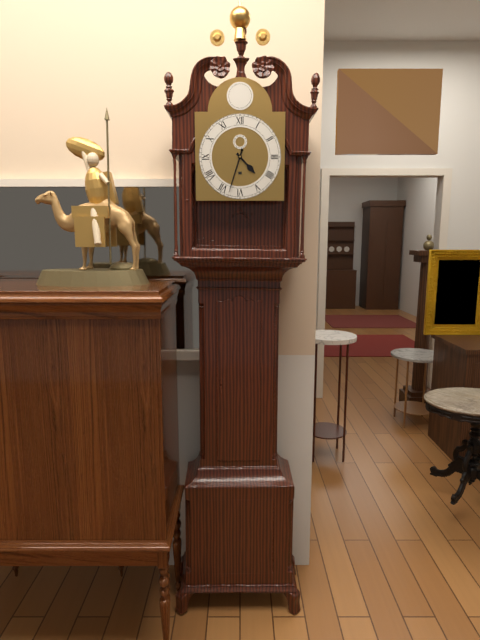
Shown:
4,33
